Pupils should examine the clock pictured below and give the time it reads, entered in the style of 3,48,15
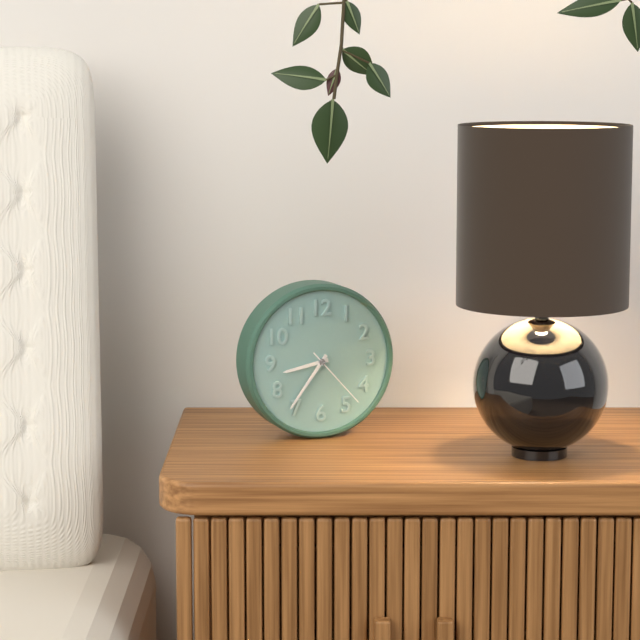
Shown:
8,36,23
